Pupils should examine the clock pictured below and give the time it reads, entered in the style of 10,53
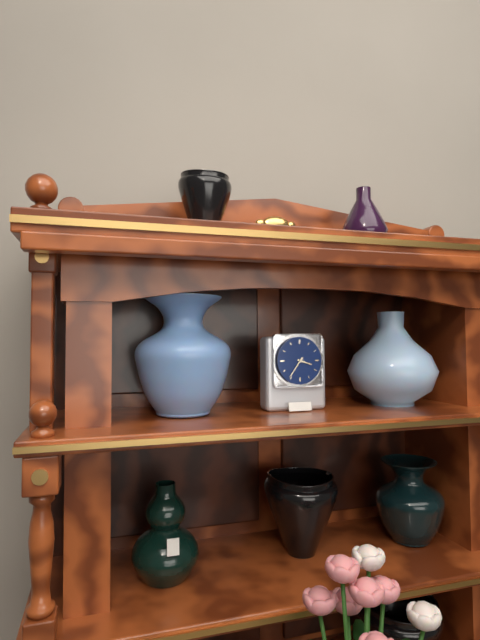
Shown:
3,36
